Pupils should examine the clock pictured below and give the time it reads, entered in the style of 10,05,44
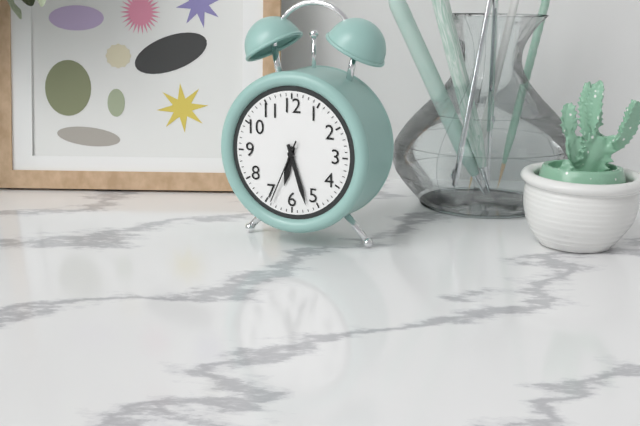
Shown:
6,27,34
